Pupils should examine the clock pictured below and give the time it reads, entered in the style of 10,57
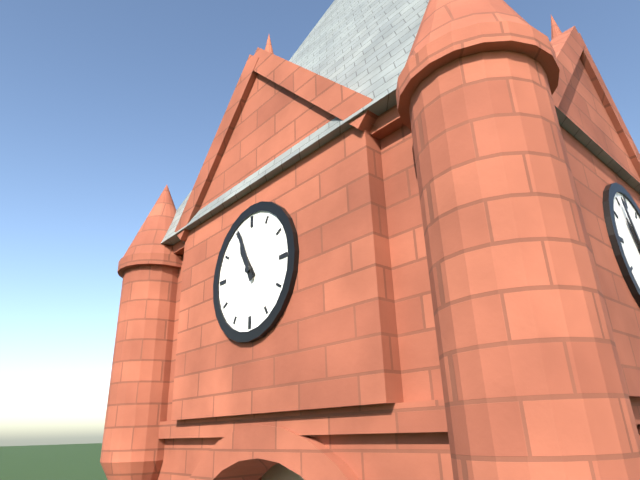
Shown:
10,56
